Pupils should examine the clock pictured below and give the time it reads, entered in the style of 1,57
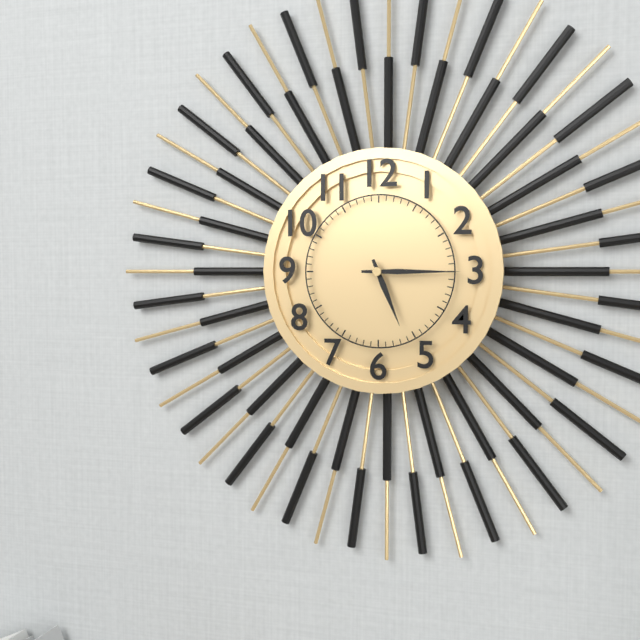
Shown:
5,15
